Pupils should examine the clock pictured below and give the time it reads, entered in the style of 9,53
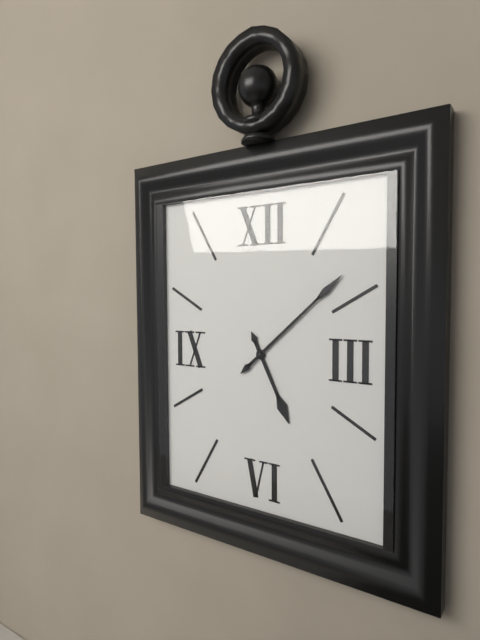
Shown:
5,08
